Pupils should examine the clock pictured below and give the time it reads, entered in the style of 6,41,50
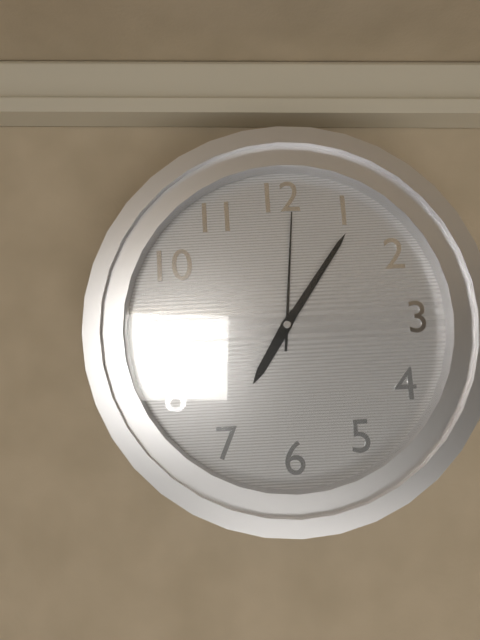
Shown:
7,06,01
